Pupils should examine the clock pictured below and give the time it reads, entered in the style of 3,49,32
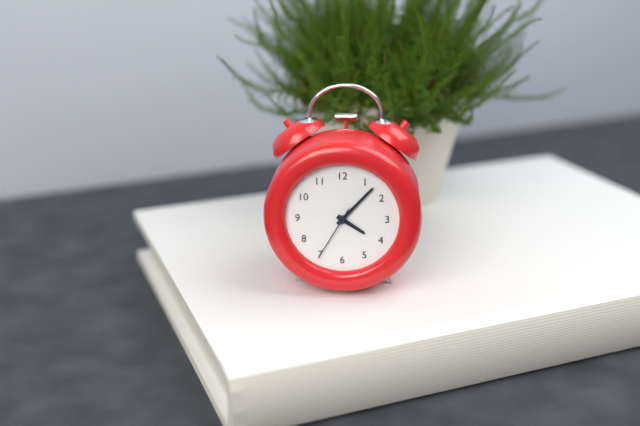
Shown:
4,07,35
